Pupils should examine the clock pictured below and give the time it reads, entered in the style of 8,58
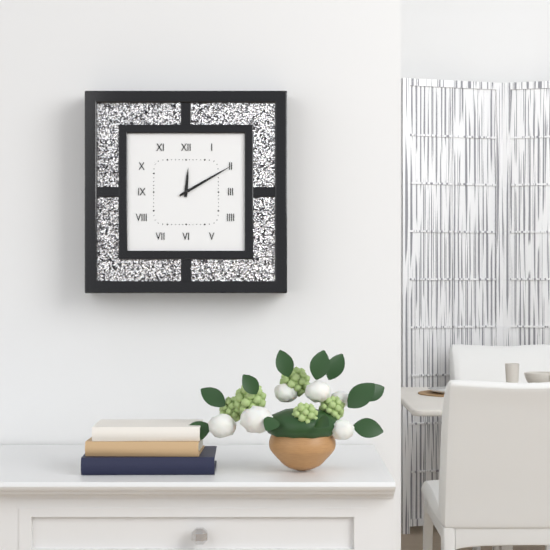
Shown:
12,10
